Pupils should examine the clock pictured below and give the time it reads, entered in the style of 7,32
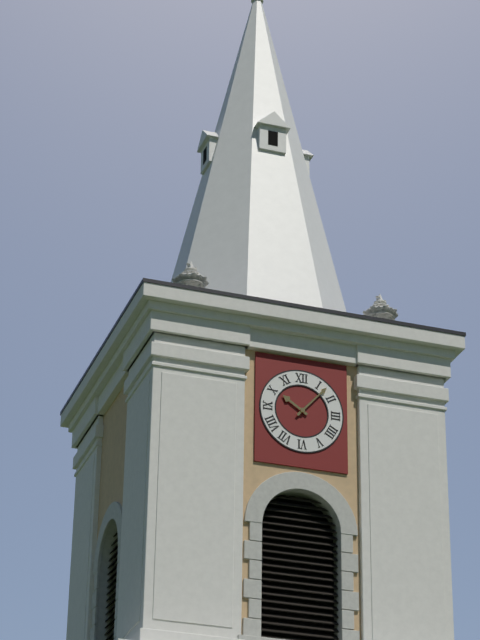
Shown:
10,07
